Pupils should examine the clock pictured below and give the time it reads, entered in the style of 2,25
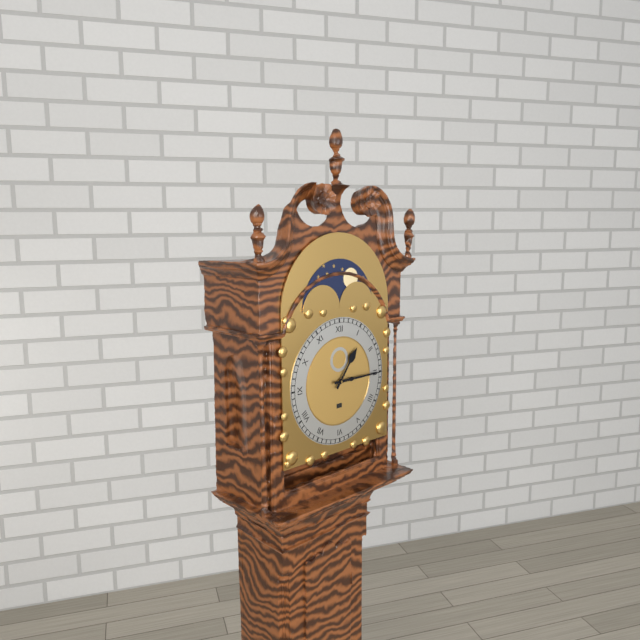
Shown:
1,15
